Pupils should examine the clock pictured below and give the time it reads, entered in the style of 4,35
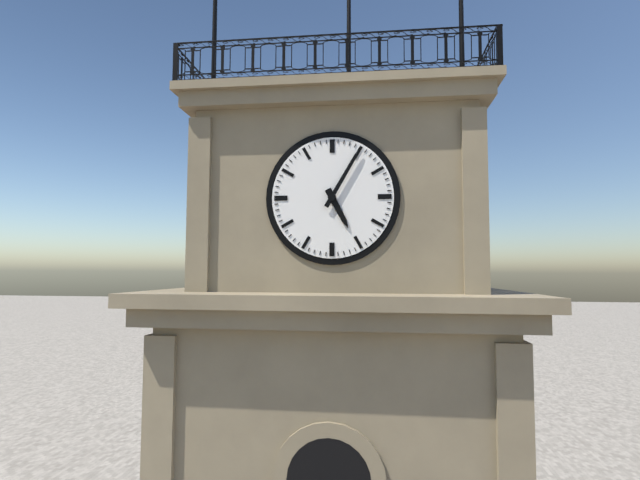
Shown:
5,05
